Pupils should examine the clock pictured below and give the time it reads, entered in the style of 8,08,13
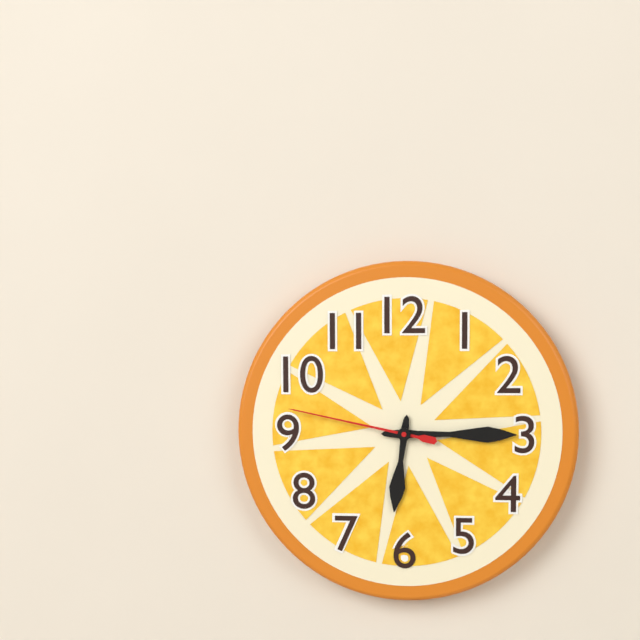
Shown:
6,15,47
